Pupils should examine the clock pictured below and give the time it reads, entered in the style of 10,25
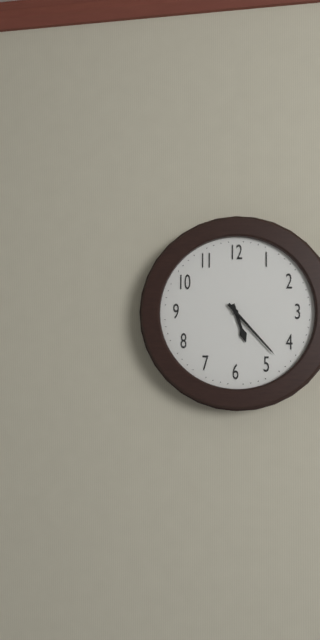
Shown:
5,23
